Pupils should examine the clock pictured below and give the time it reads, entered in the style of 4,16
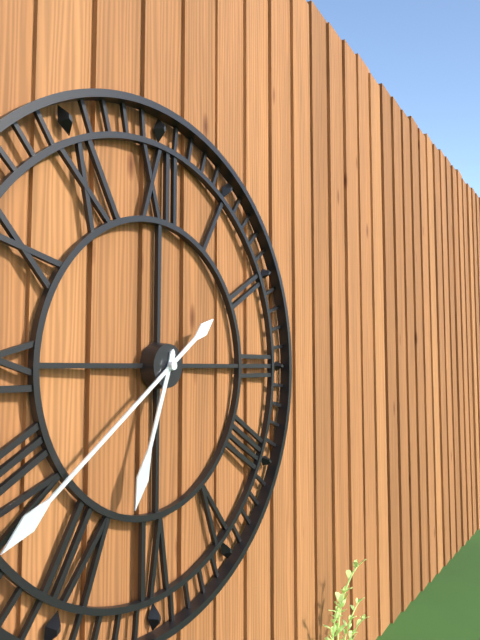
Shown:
6,39
